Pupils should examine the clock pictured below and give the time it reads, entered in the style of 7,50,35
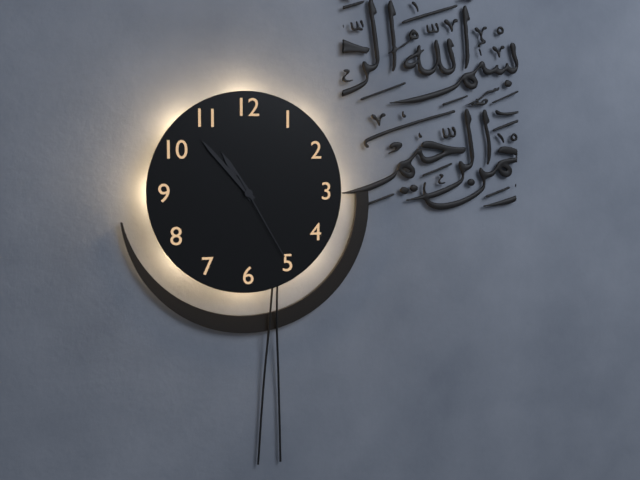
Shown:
10,53,25
